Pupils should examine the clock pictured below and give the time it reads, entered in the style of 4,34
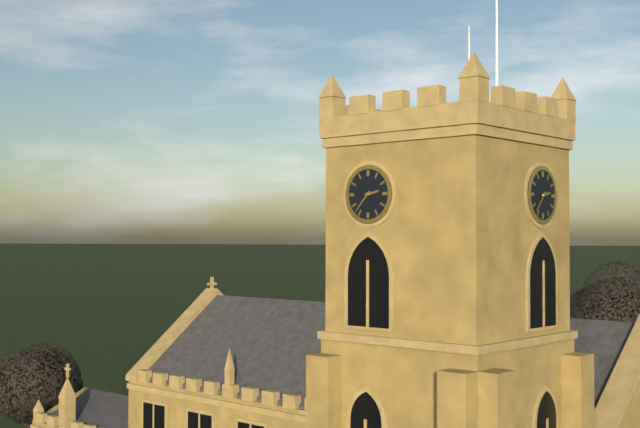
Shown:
2,37
